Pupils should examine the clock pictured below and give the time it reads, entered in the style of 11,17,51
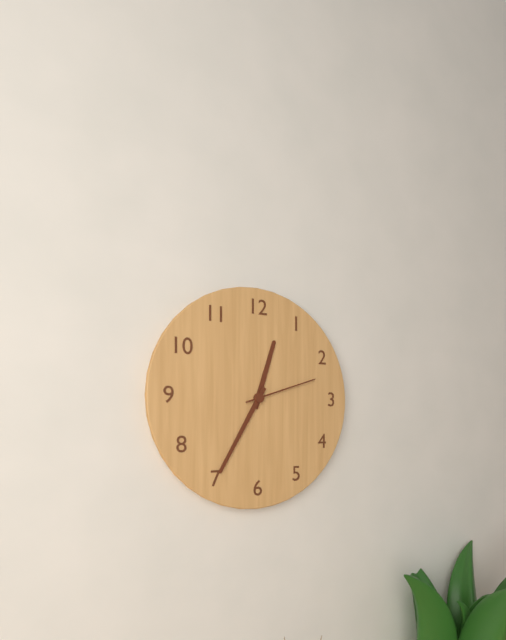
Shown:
12,35,12
